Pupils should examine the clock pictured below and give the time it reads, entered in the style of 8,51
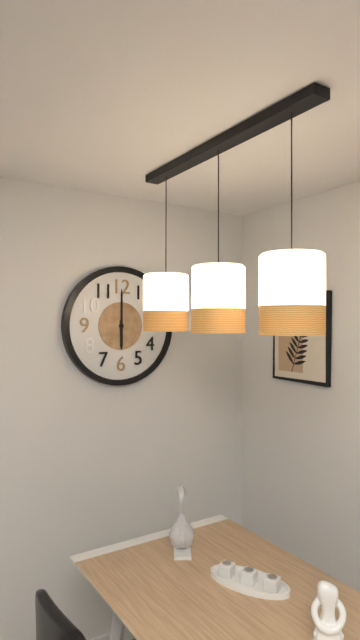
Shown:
6,00
